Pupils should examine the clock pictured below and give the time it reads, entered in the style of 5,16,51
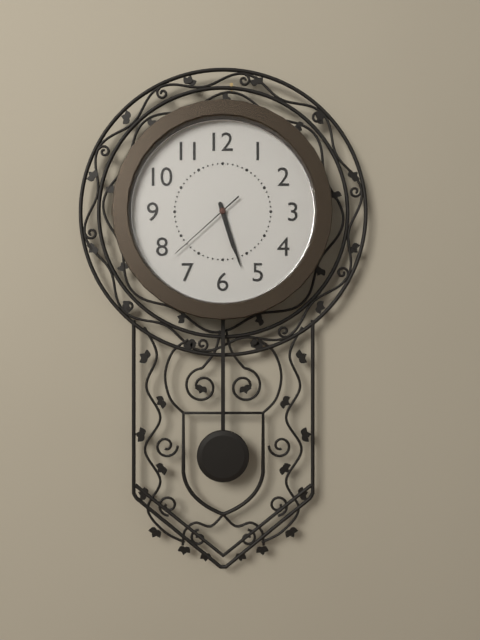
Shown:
5,27,38
